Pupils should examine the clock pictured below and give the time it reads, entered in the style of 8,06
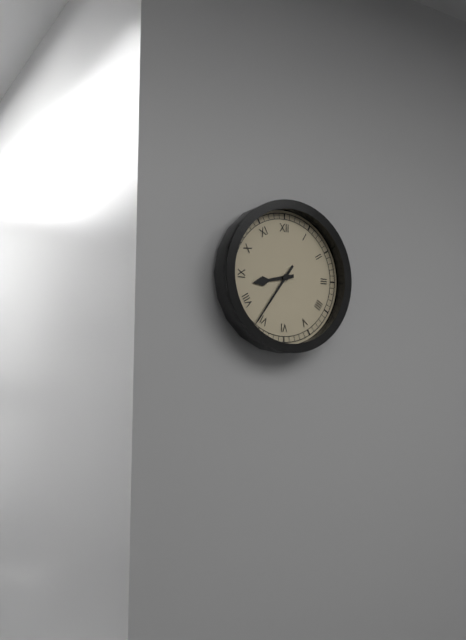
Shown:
8,36
